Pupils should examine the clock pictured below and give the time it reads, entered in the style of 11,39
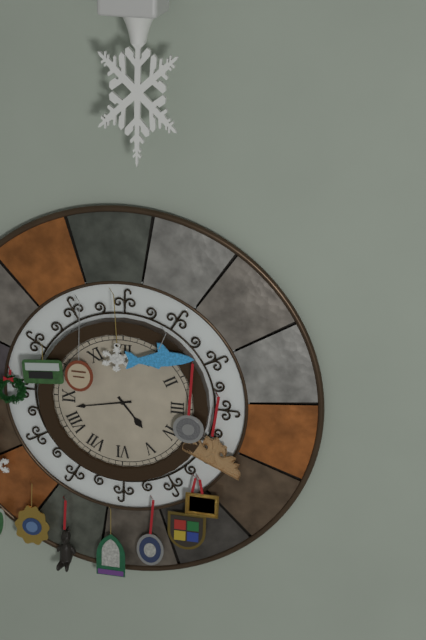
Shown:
4,43
